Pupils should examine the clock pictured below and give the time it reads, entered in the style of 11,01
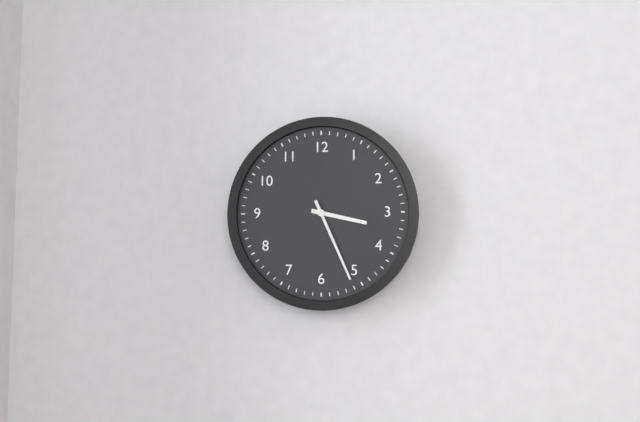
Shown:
3,26
